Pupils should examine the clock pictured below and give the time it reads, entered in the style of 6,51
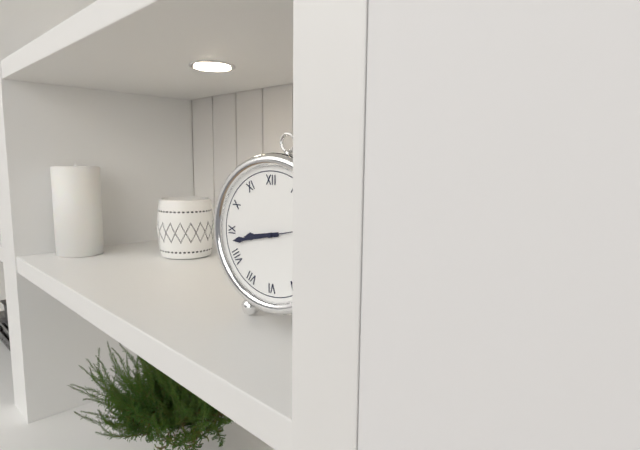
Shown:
8,43
